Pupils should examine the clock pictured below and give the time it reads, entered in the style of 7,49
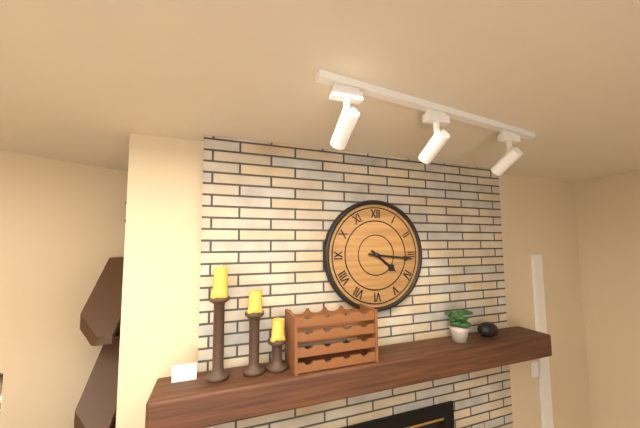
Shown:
4,16
